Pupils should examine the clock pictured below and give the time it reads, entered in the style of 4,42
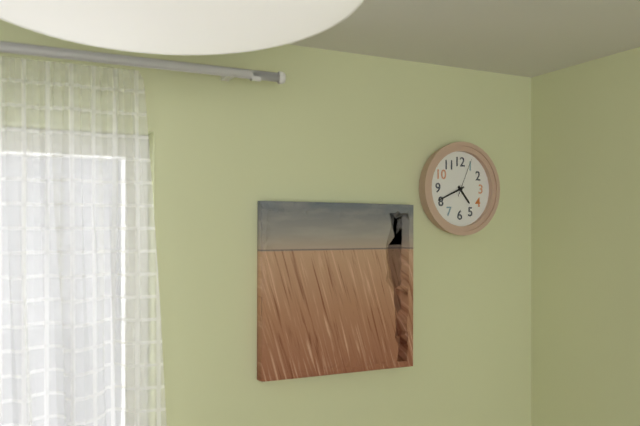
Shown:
4,41
